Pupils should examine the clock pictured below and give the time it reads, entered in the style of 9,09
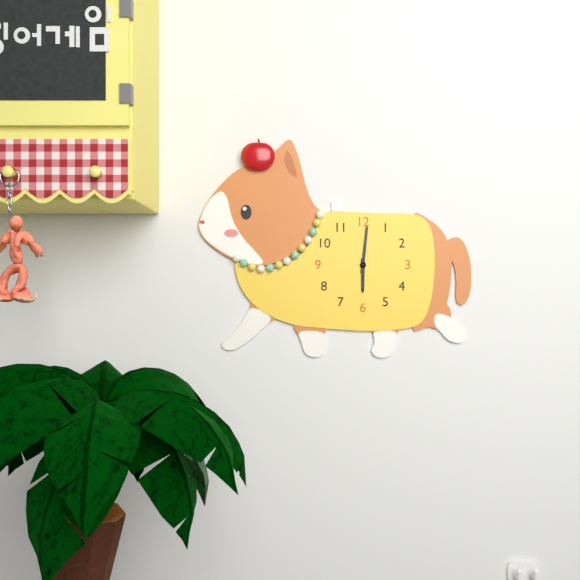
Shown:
6,01
